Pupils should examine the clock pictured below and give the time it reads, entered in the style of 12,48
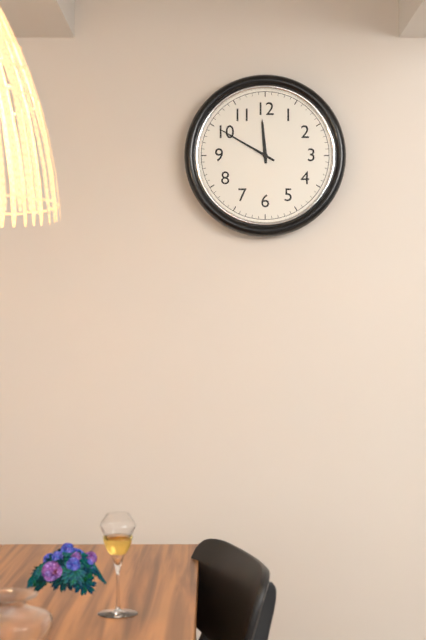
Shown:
11,50
